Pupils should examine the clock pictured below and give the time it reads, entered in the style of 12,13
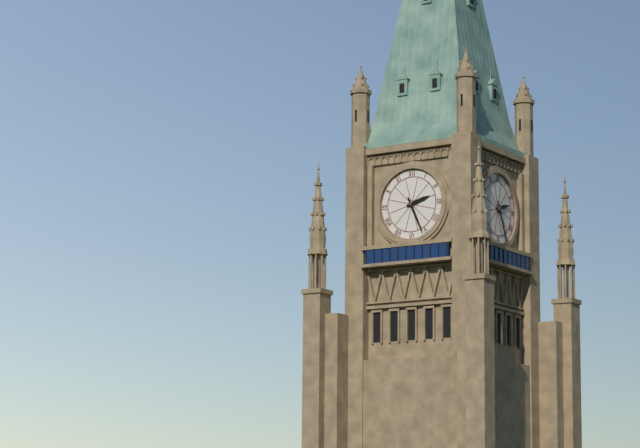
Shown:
2,26
